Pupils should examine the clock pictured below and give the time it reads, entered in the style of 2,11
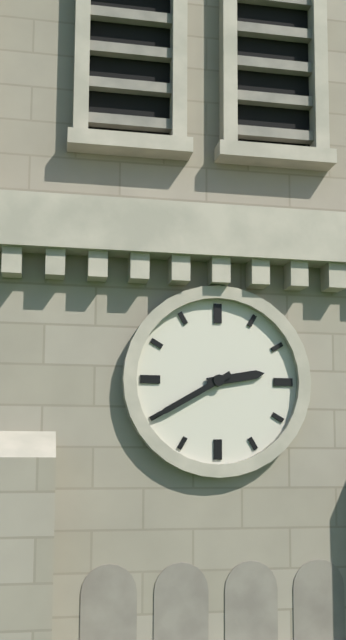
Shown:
2,40
